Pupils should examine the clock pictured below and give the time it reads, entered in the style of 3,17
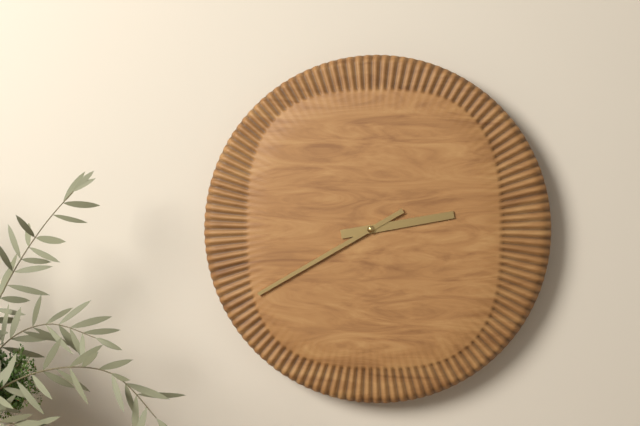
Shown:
2,40
